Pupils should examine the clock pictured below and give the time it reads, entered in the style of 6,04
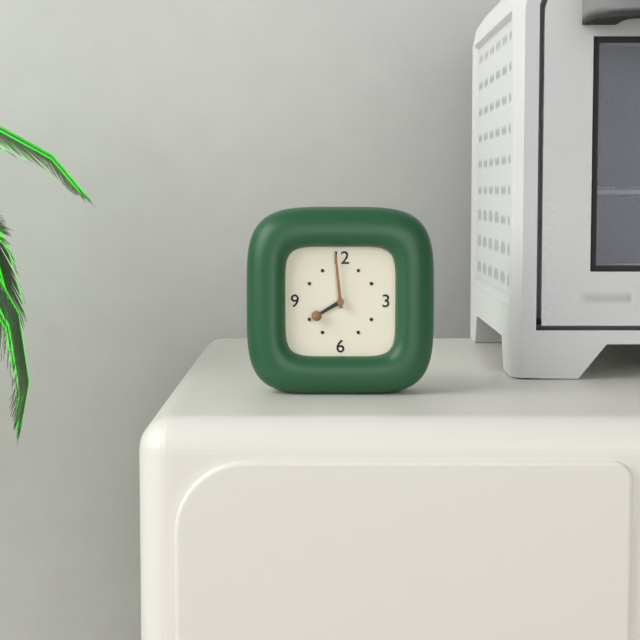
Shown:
7,59
